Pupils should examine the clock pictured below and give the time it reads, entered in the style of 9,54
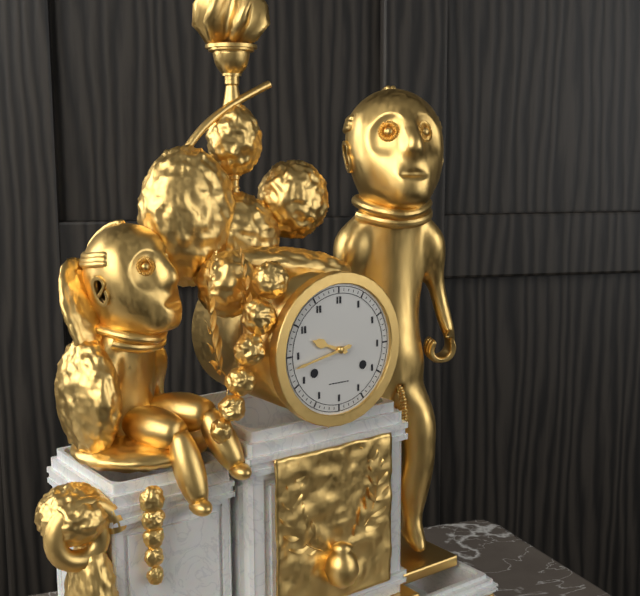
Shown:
9,43
